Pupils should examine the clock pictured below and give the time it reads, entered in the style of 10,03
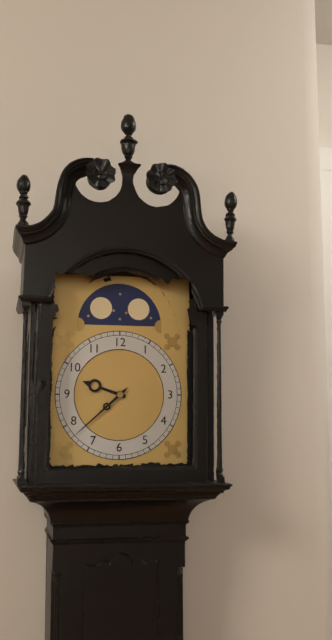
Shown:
9,38
